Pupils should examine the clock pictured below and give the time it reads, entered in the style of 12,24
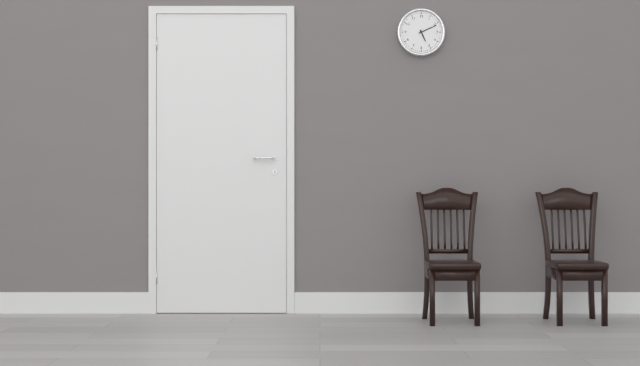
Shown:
5,11
